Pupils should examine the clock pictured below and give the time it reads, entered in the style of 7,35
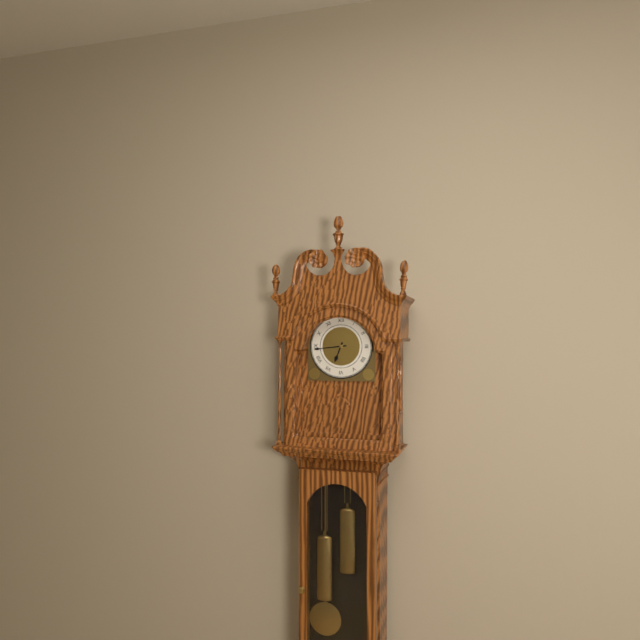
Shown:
6,44
